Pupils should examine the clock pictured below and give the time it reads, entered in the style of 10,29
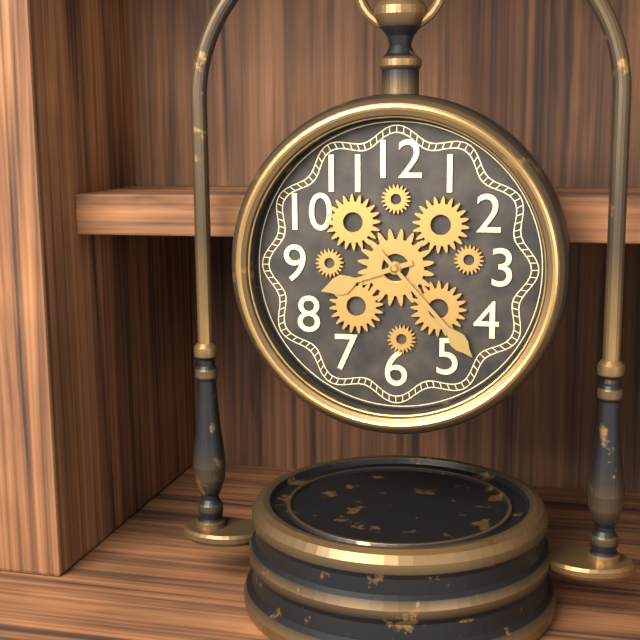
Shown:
8,23
